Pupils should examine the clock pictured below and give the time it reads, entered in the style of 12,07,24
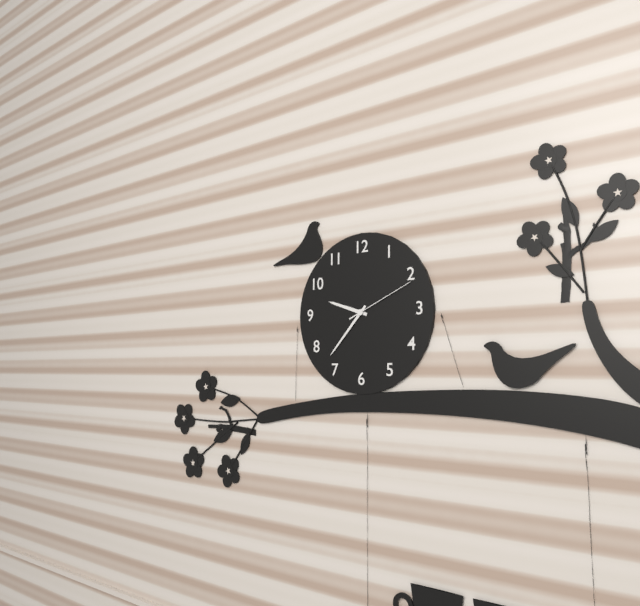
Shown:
9,37,11
